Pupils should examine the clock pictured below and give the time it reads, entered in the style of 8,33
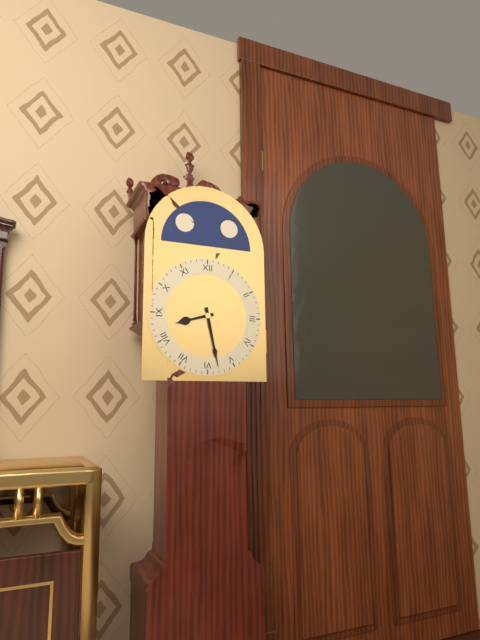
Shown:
8,28
